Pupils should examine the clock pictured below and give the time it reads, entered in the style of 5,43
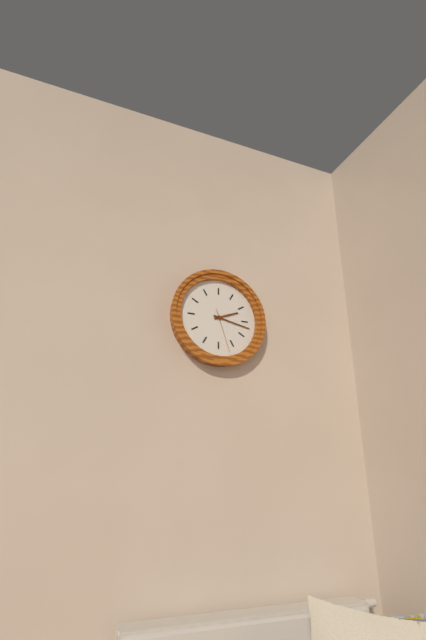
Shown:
2,17
